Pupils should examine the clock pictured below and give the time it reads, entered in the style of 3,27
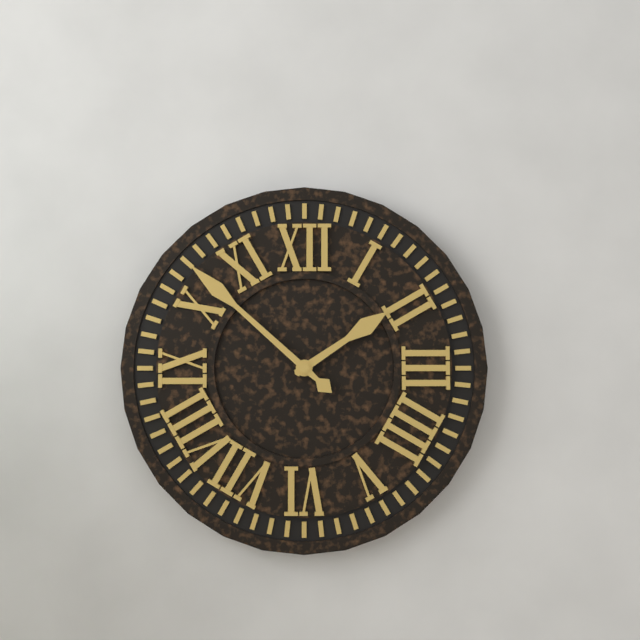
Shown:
1,52
